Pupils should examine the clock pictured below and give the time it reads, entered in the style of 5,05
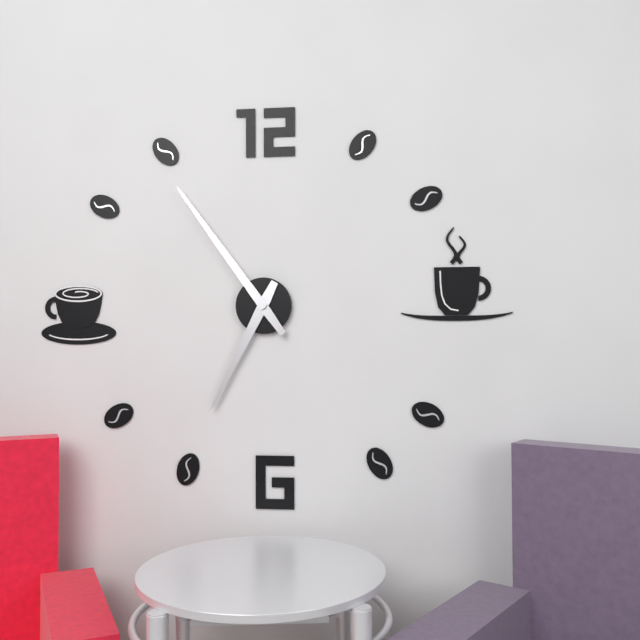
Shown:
6,54
